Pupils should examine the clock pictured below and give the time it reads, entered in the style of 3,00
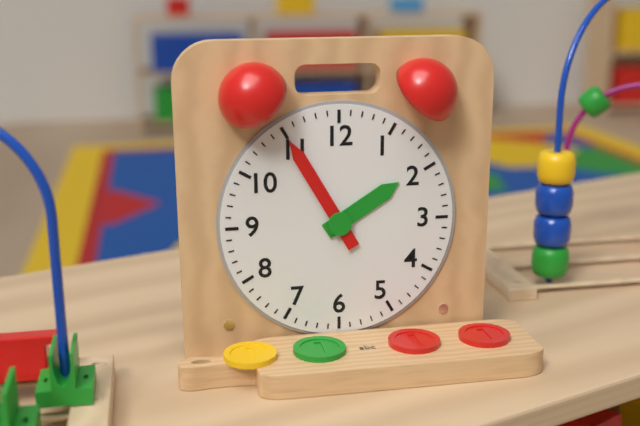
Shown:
1,55
